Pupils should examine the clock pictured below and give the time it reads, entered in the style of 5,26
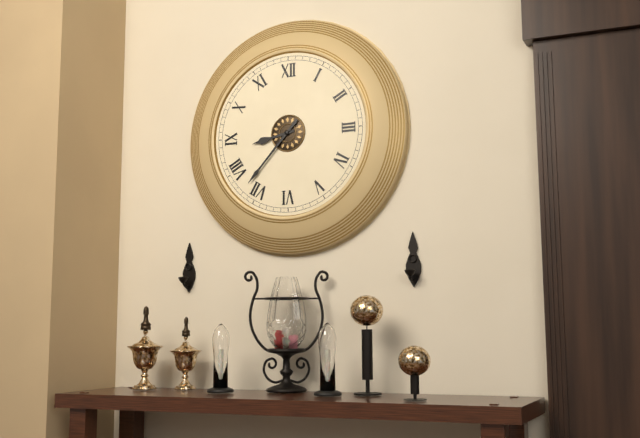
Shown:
8,37
